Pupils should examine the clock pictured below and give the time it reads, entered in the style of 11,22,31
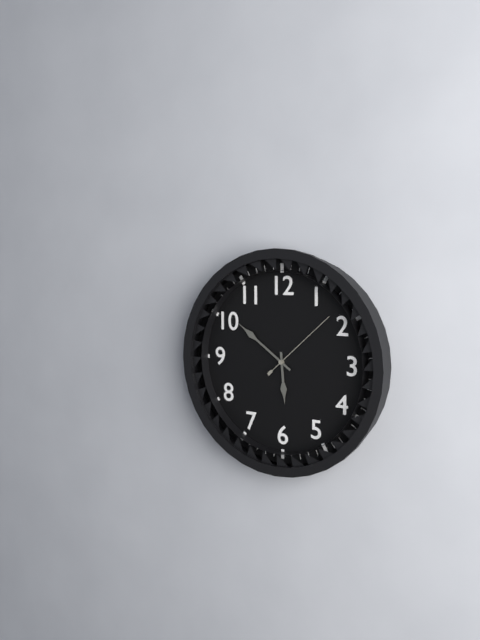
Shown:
5,51,08
